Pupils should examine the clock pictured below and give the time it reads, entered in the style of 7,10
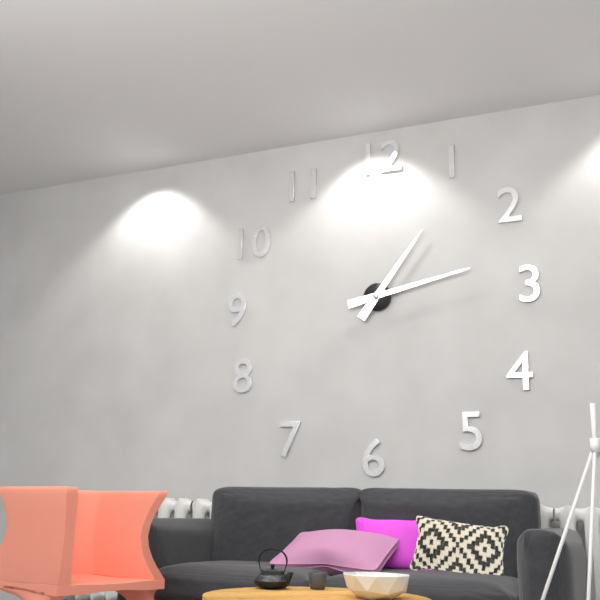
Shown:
1,13
